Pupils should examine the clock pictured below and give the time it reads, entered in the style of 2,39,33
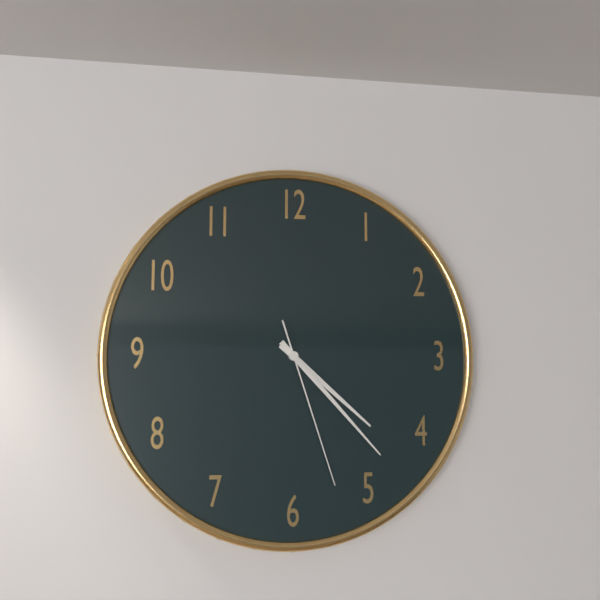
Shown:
4,23,27
